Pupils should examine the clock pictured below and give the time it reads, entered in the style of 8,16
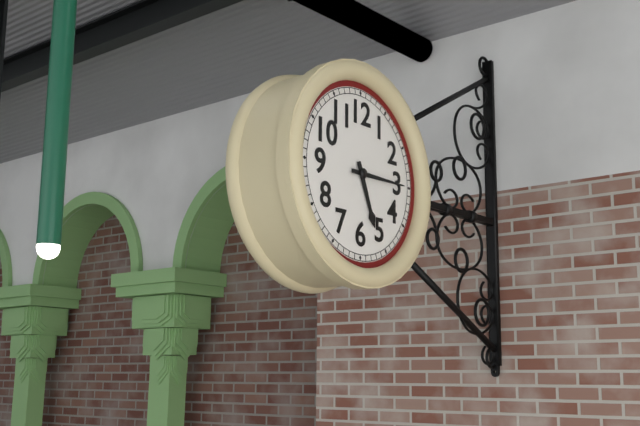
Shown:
5,15
